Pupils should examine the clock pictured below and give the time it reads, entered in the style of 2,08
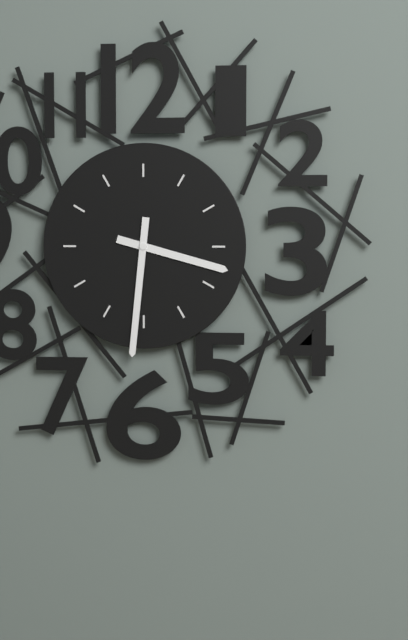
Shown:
3,31
